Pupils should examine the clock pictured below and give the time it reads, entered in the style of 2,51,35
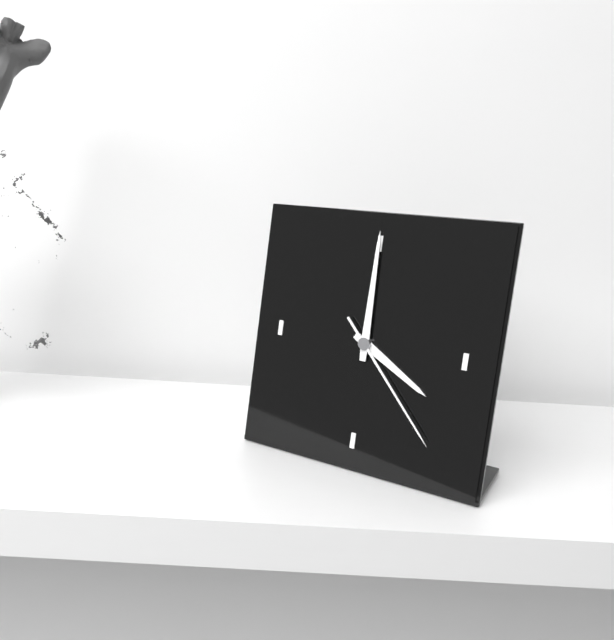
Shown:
4,00,23
